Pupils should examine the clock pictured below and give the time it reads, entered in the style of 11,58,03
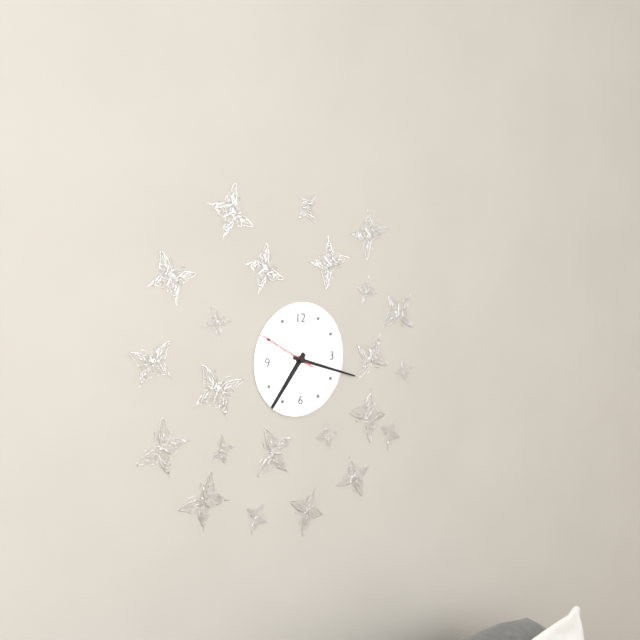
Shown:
7,18,50
